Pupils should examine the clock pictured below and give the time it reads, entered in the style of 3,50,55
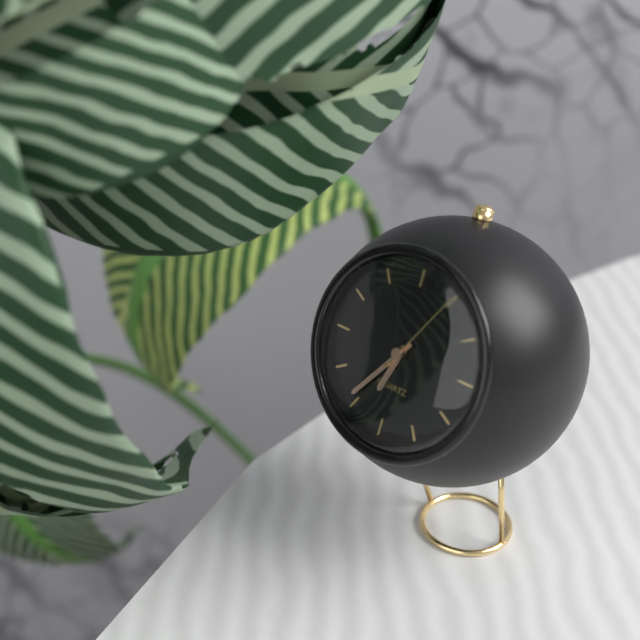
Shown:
6,36,05
